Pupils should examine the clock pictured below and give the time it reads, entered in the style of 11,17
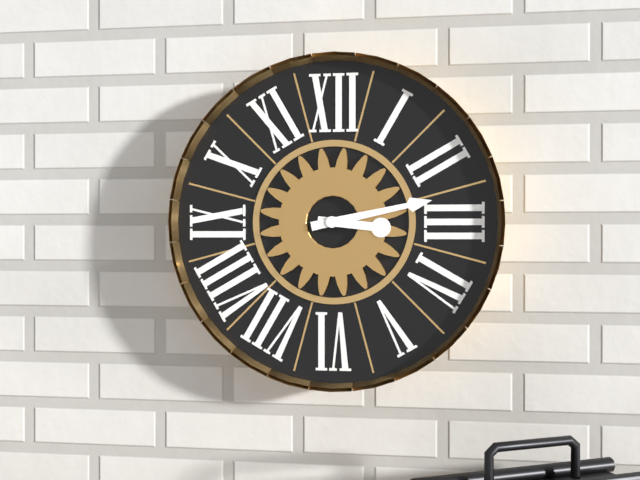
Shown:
3,13
